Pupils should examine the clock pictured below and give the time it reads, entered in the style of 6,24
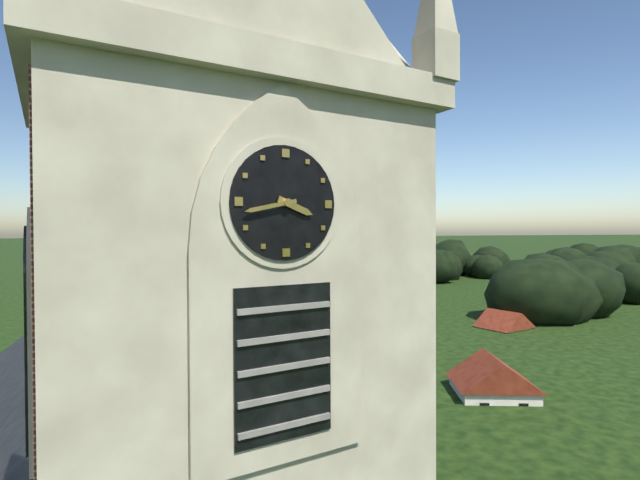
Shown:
3,43
